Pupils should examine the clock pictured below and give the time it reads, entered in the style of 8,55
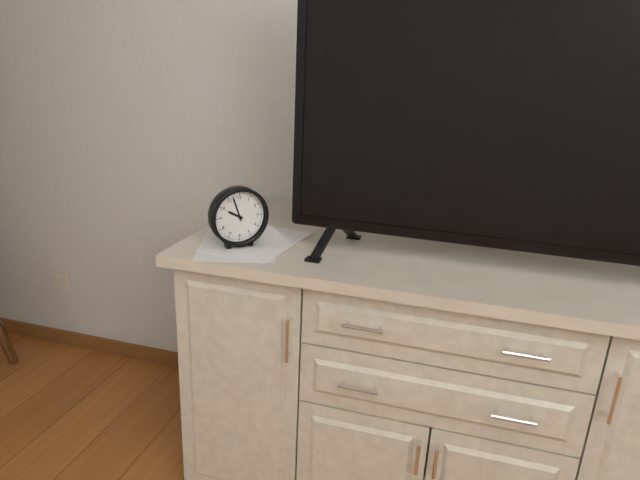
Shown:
9,57
